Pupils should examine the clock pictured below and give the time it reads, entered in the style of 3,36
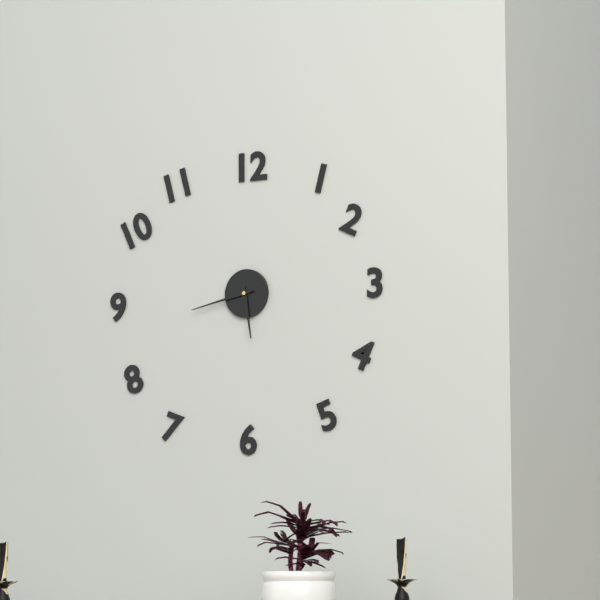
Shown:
5,43
